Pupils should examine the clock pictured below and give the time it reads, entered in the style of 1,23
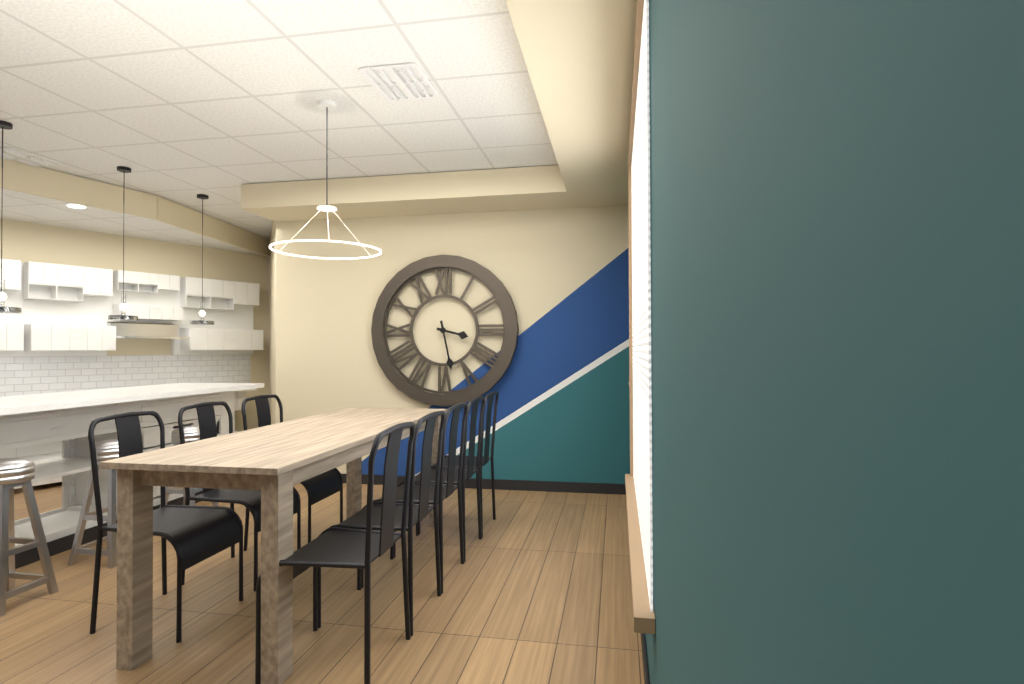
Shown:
3,28
